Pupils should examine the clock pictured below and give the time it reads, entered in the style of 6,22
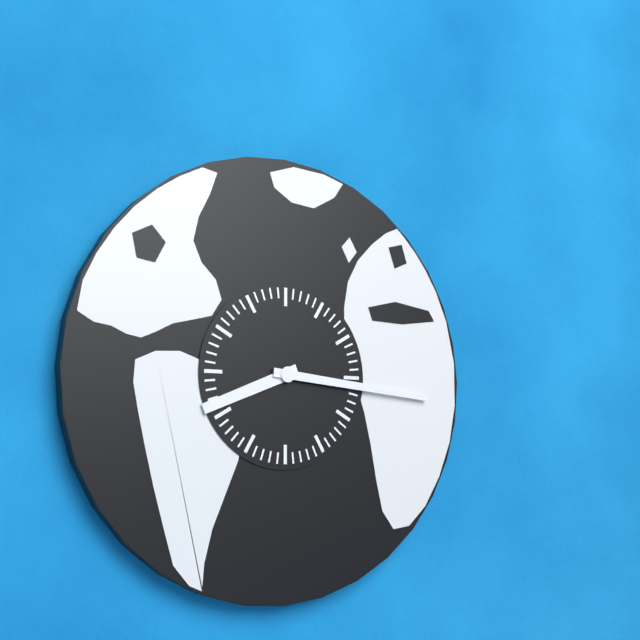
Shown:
8,16
